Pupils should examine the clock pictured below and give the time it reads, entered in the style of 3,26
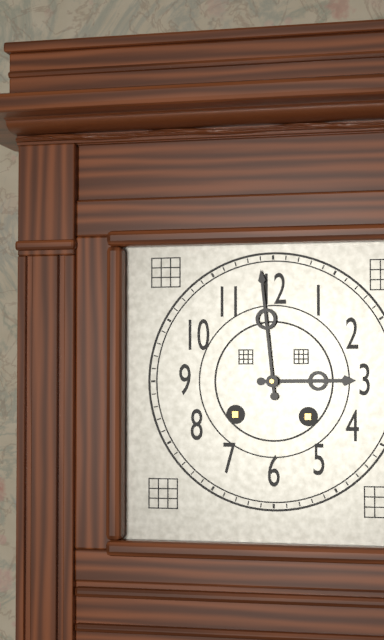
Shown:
2,59
